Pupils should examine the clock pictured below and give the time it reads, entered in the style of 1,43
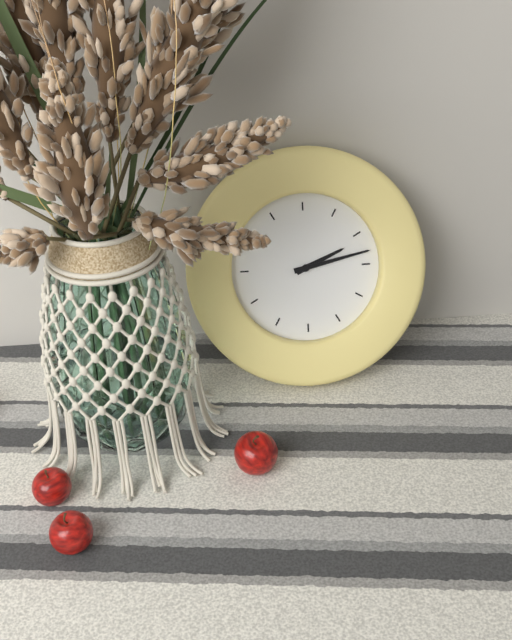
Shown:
2,13
